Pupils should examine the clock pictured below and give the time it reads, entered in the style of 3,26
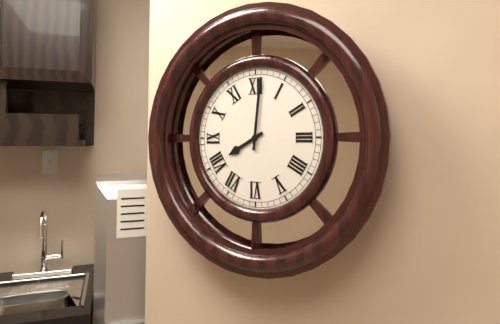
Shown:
8,01
